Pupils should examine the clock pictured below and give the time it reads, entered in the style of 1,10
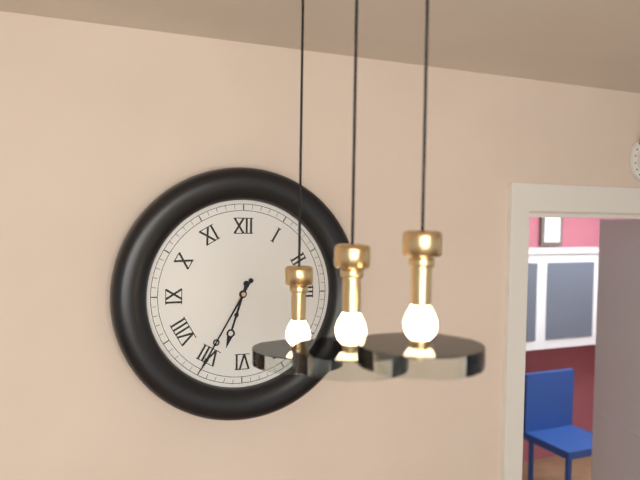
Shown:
6,35
